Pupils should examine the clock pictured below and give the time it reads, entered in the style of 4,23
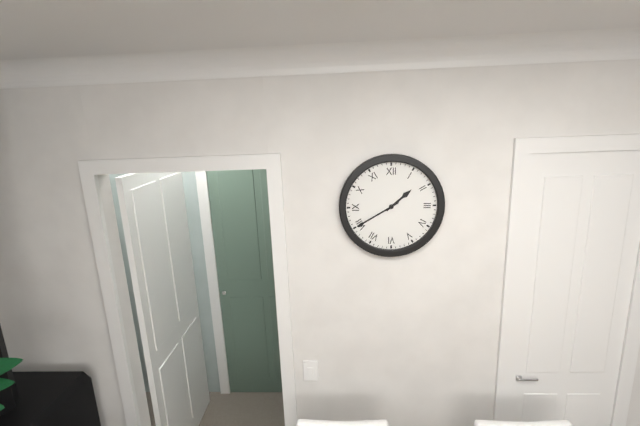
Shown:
1,40
